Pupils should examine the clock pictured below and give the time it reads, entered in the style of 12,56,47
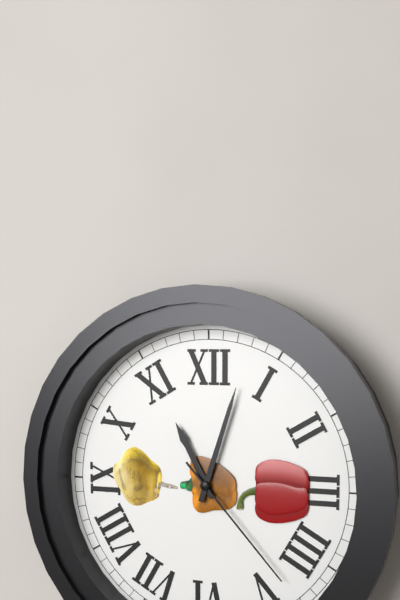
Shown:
11,03,23
